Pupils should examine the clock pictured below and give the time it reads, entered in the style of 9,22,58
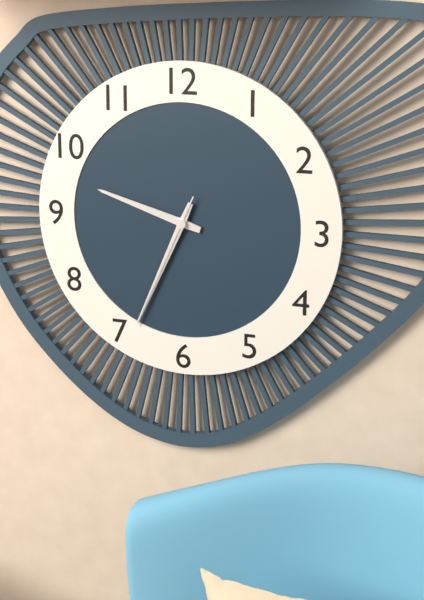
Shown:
9,34,34
